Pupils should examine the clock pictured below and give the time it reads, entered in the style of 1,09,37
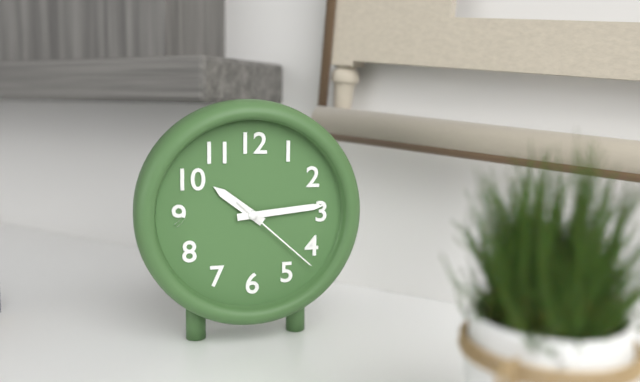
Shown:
10,14,22
